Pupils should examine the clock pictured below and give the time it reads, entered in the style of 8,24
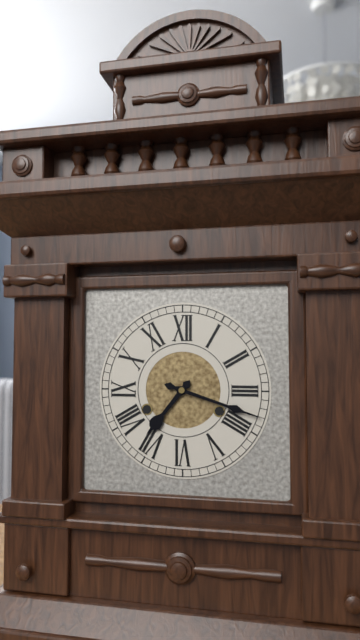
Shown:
7,18
